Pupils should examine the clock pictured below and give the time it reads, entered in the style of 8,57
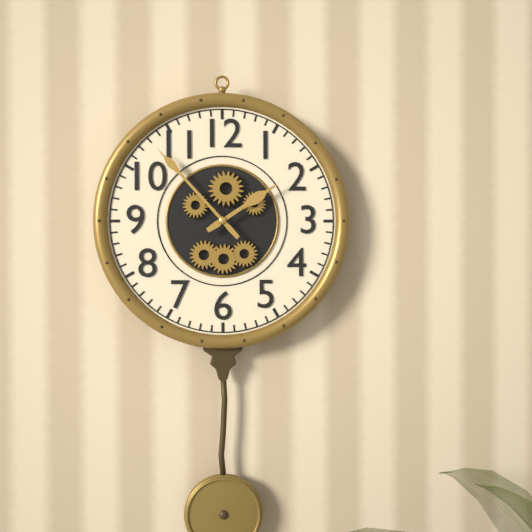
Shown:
1,53
